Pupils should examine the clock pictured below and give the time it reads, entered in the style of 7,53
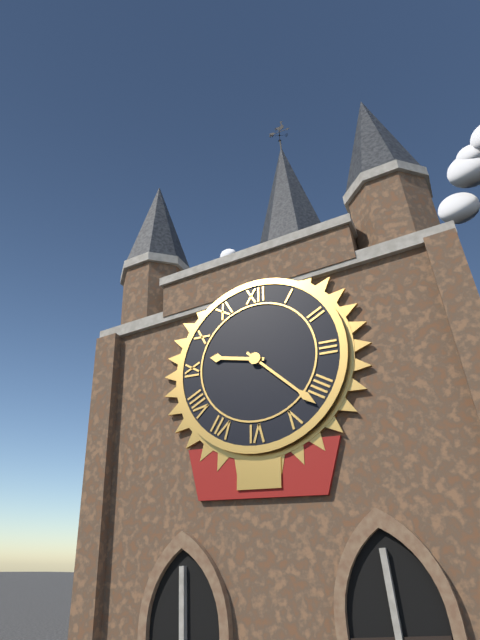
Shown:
9,22
